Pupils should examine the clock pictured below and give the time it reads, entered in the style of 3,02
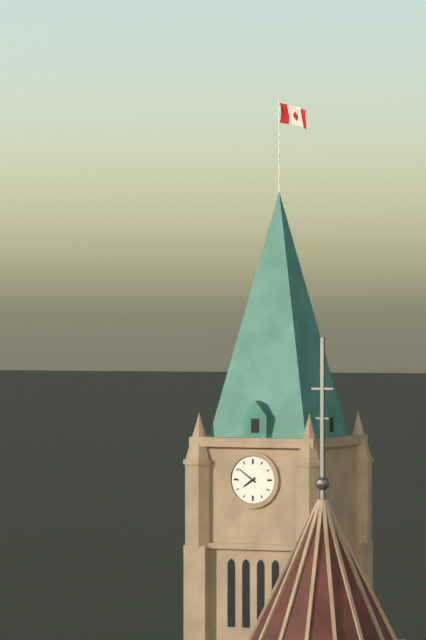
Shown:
7,51
